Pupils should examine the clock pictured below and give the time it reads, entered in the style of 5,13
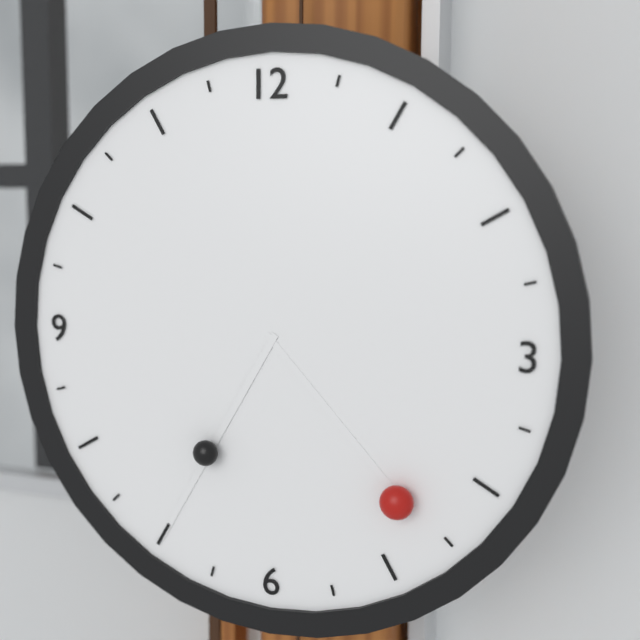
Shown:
4,35
